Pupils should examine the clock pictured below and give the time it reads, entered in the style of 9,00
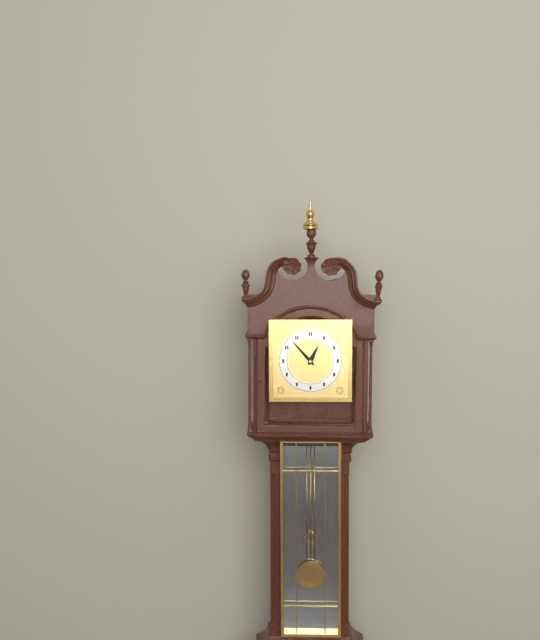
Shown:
12,53
